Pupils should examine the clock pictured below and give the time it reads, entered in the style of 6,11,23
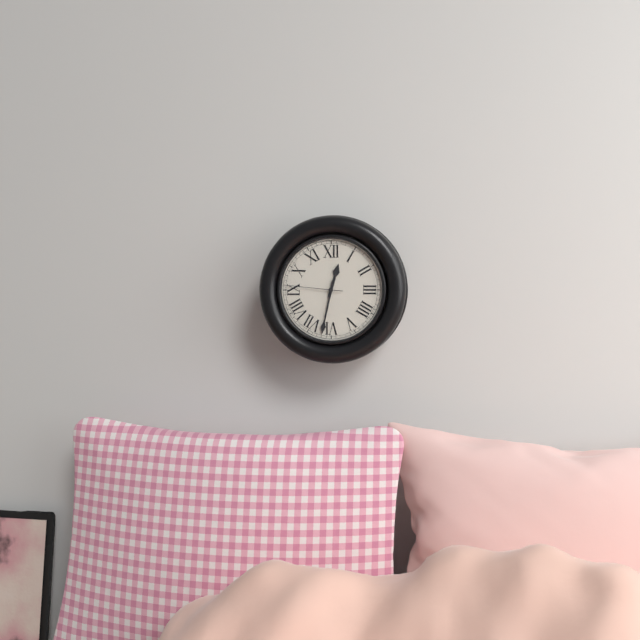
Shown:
12,32,46
